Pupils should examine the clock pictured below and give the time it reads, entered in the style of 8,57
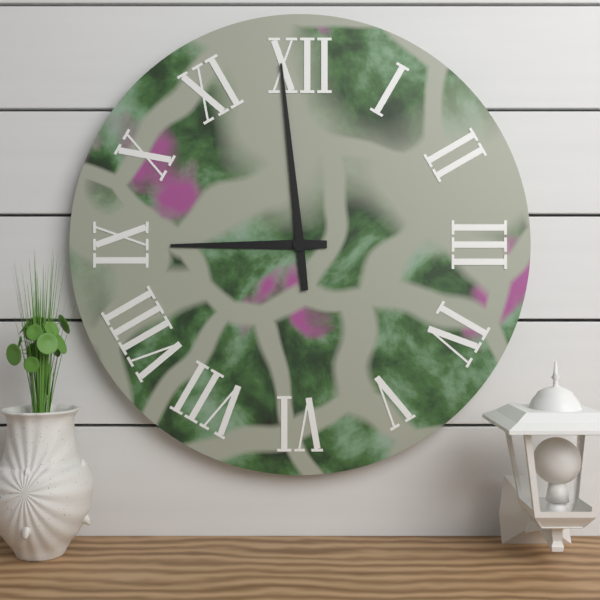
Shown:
8,59
